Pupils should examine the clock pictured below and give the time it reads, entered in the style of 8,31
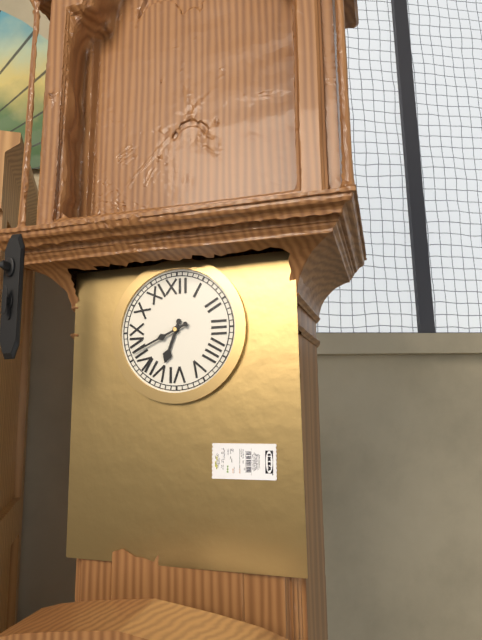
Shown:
6,41
